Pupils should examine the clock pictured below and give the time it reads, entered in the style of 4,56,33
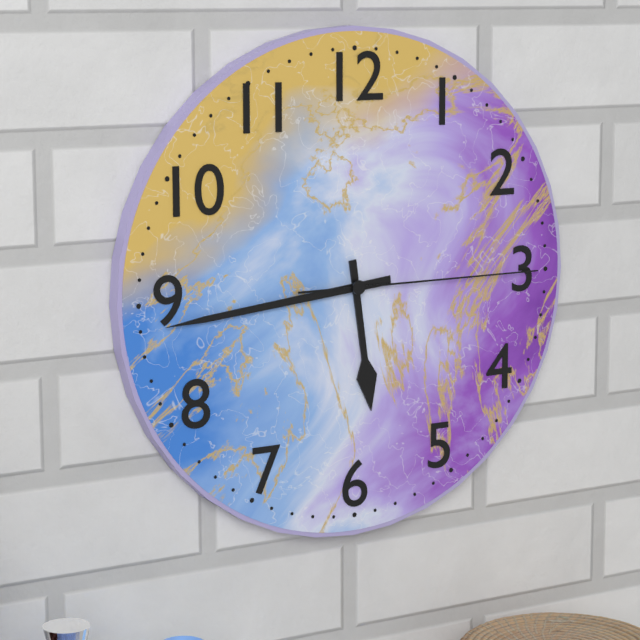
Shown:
5,44,15
